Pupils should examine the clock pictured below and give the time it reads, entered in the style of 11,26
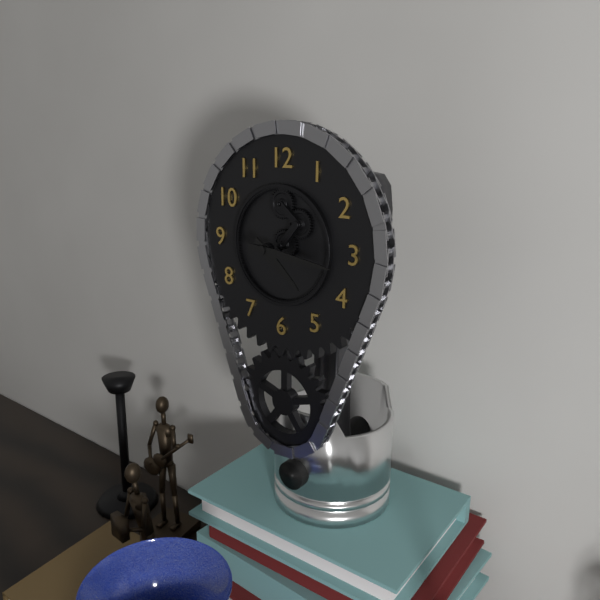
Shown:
4,16
